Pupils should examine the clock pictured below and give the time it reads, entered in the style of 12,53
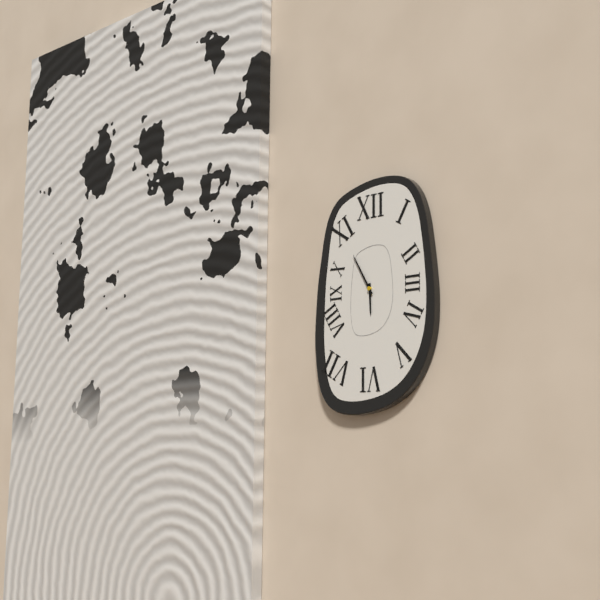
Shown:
5,55
